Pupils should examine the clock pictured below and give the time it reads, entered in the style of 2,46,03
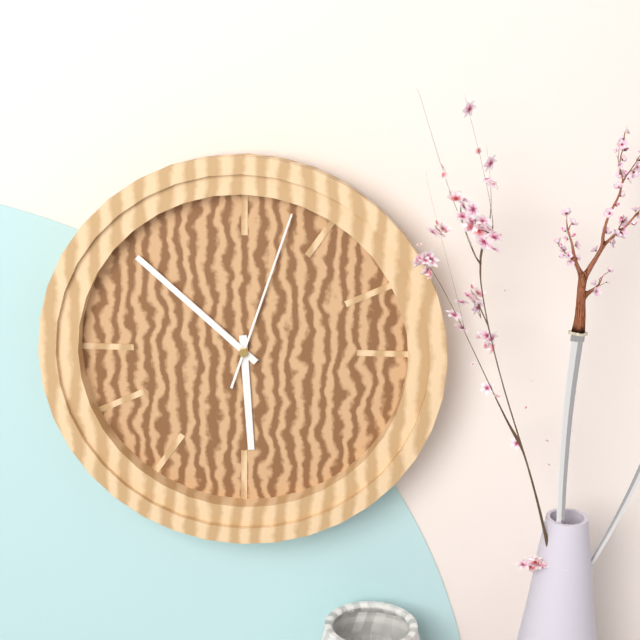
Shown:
5,52,03
